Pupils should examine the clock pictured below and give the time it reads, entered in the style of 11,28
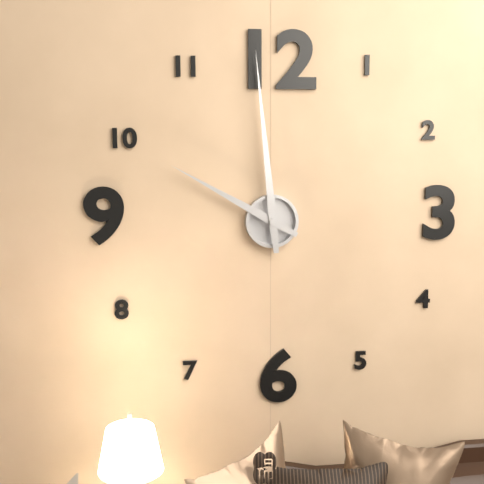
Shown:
9,59
